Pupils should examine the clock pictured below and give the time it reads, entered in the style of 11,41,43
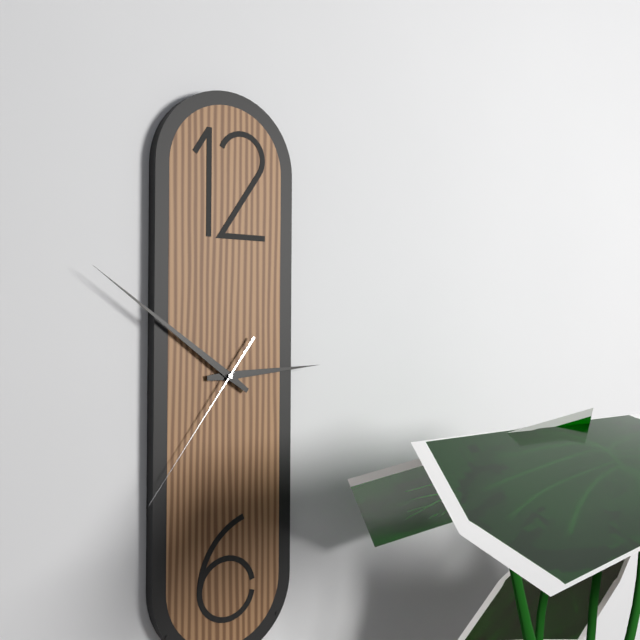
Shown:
2,51,36
